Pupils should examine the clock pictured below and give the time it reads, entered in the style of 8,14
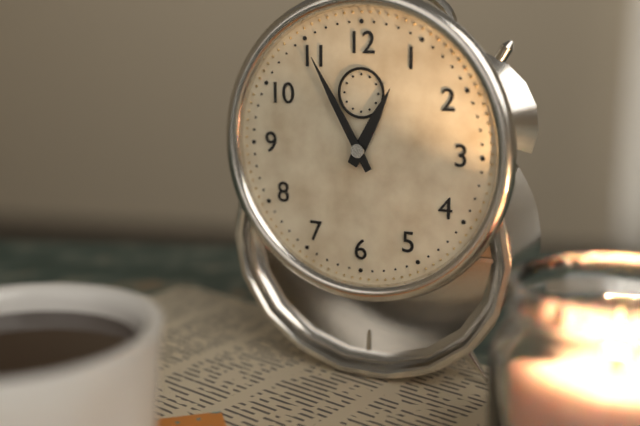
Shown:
12,55
